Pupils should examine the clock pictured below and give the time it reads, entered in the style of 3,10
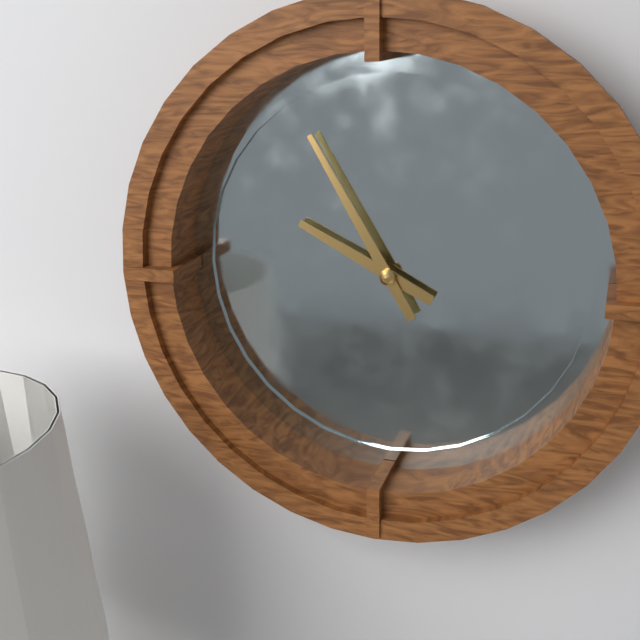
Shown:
9,55
